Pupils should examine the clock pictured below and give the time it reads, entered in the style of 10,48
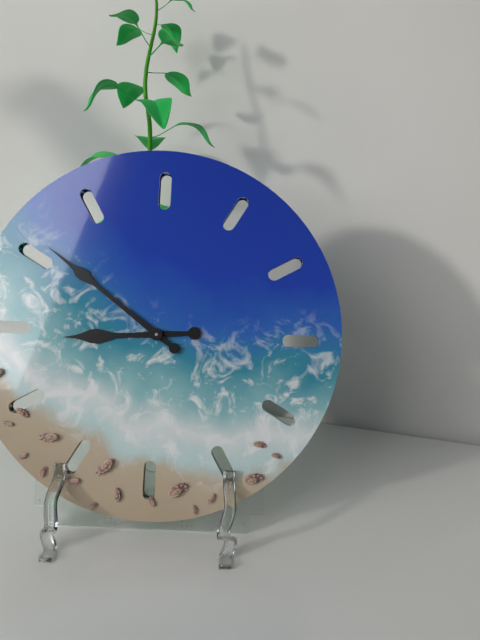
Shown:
8,51
